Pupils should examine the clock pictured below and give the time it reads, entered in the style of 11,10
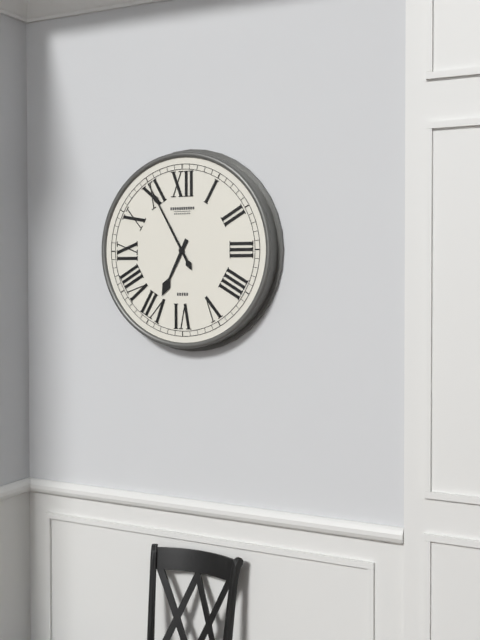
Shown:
6,55
